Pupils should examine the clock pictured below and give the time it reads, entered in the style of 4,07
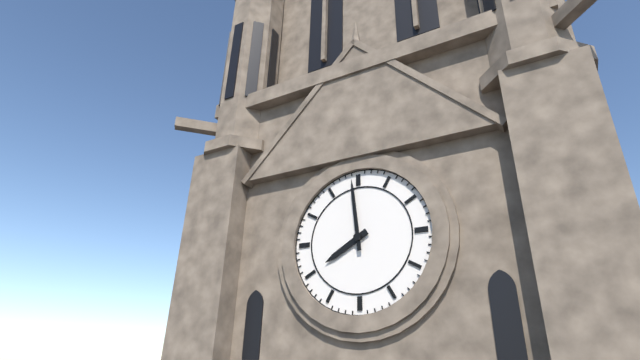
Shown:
7,59
